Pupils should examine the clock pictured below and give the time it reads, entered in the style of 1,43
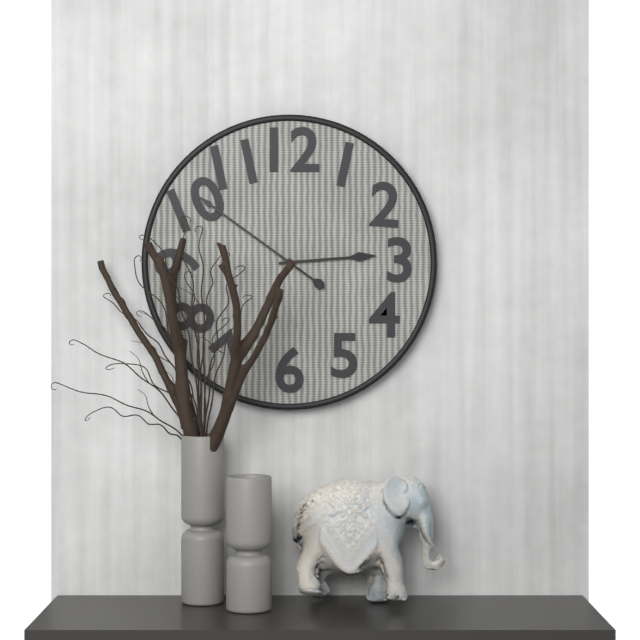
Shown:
2,51
